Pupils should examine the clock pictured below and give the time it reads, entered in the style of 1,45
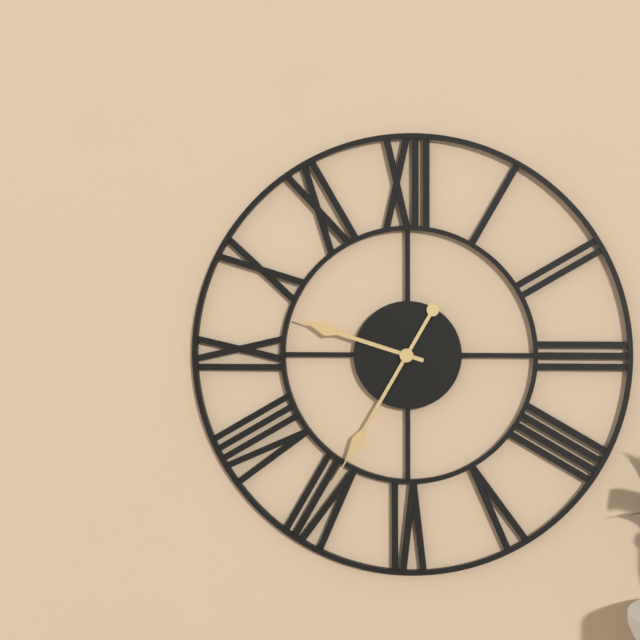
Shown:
9,35
